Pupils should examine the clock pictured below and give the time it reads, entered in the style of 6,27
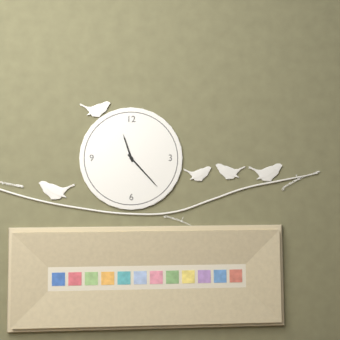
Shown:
11,23
